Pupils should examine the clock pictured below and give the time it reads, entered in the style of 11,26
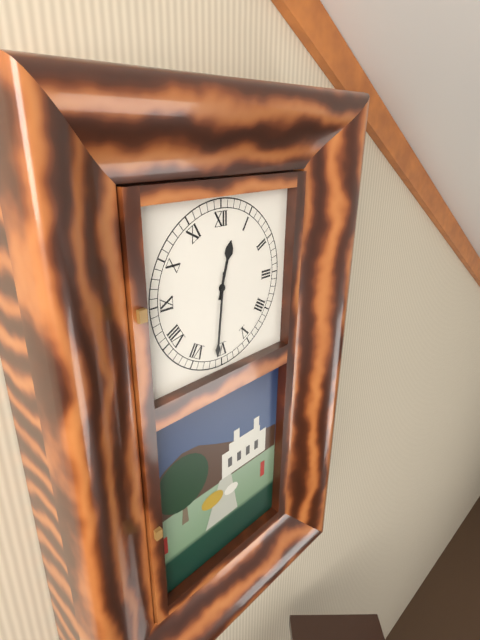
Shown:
12,31
